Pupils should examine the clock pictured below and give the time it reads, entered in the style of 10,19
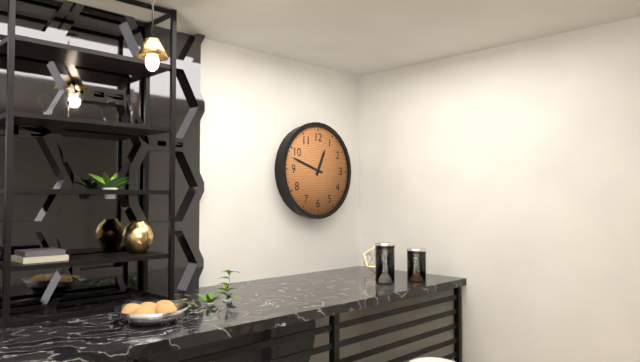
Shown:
12,48
